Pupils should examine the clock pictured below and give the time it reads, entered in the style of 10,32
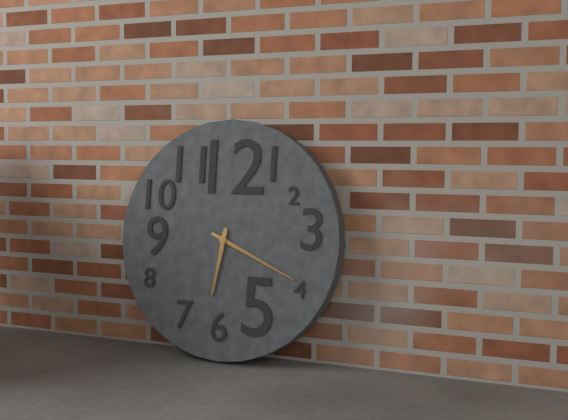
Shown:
6,19
